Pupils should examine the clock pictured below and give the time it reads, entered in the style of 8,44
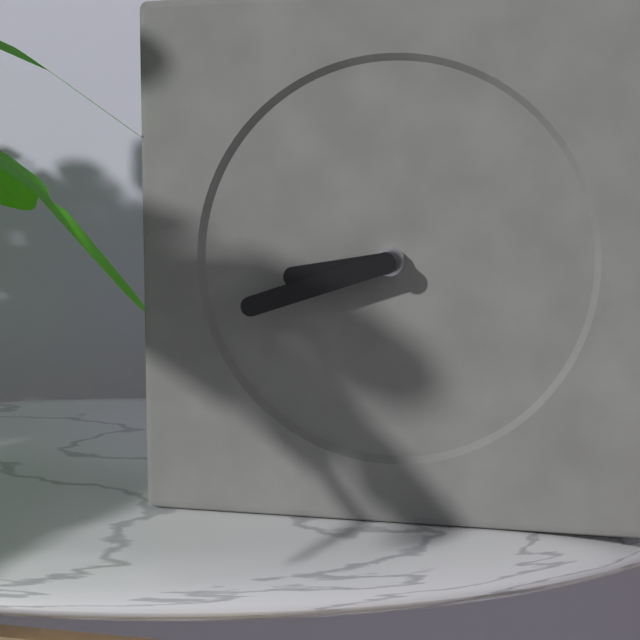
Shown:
8,42
